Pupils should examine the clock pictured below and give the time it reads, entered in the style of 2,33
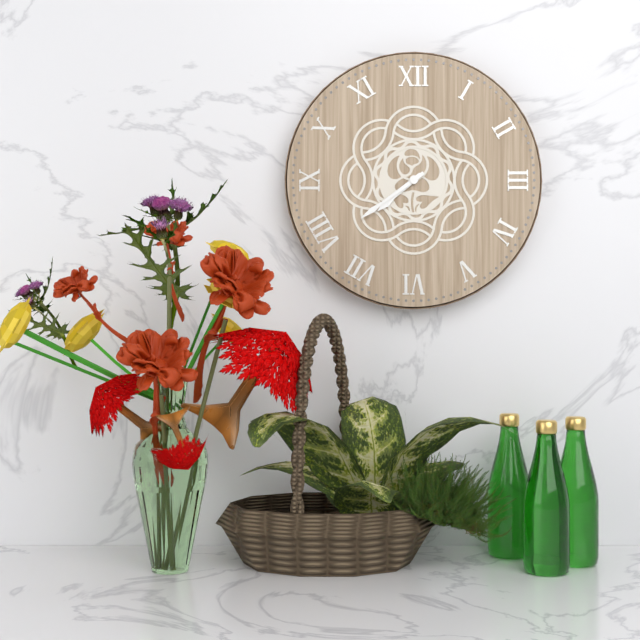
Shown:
7,39
